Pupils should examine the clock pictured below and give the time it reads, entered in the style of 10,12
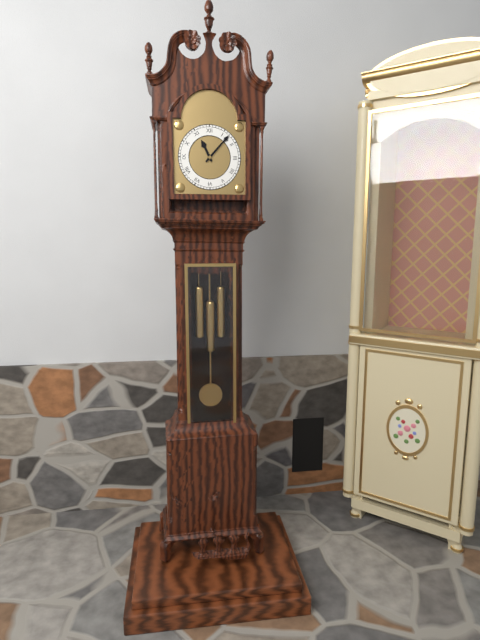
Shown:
11,07
